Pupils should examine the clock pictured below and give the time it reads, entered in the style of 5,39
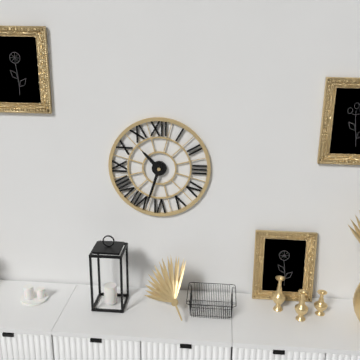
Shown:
10,33
